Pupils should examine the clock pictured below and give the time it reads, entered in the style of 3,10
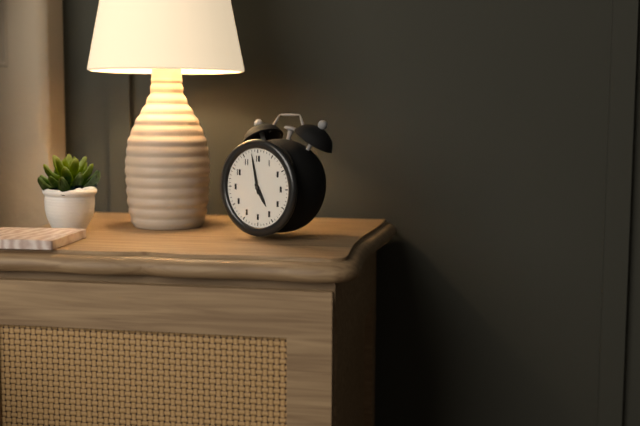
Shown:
4,58
